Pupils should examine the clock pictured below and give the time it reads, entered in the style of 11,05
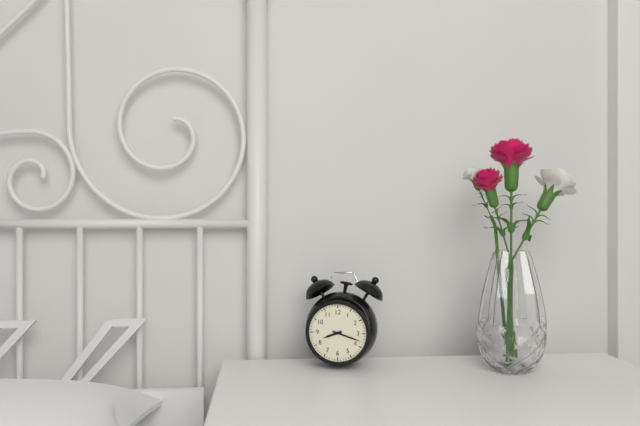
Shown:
8,18
